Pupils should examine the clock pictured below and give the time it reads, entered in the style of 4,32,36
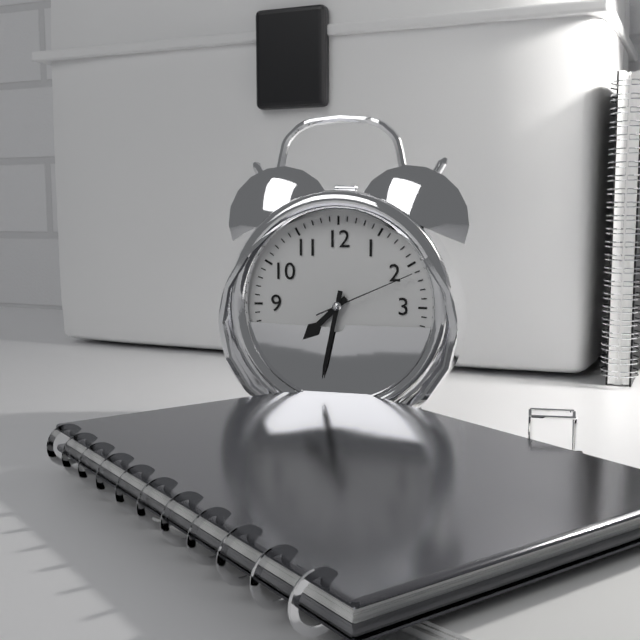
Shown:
7,32,11
